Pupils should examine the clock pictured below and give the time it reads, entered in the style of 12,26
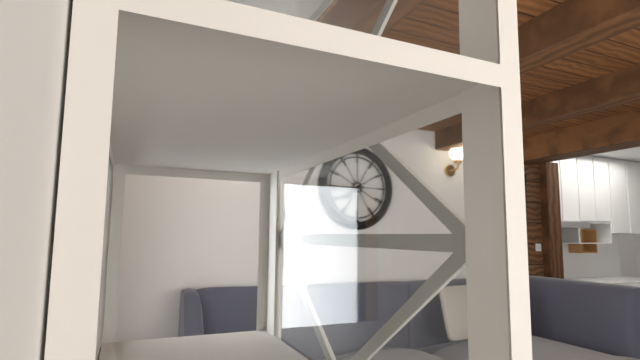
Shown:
7,44
